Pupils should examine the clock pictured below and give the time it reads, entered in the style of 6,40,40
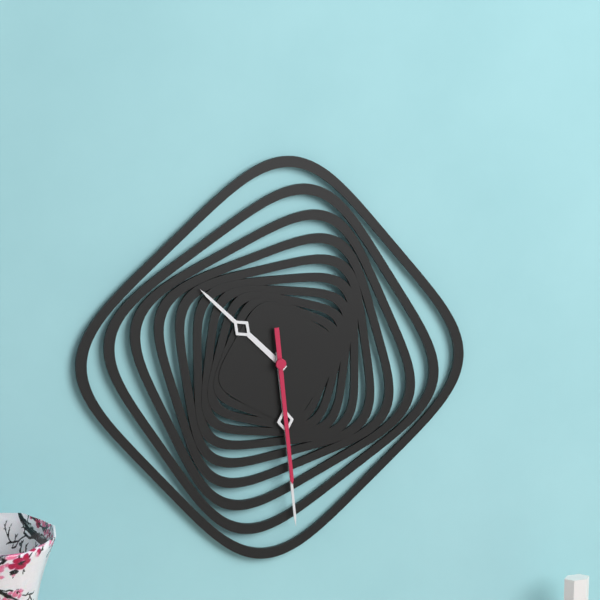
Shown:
10,29,29
